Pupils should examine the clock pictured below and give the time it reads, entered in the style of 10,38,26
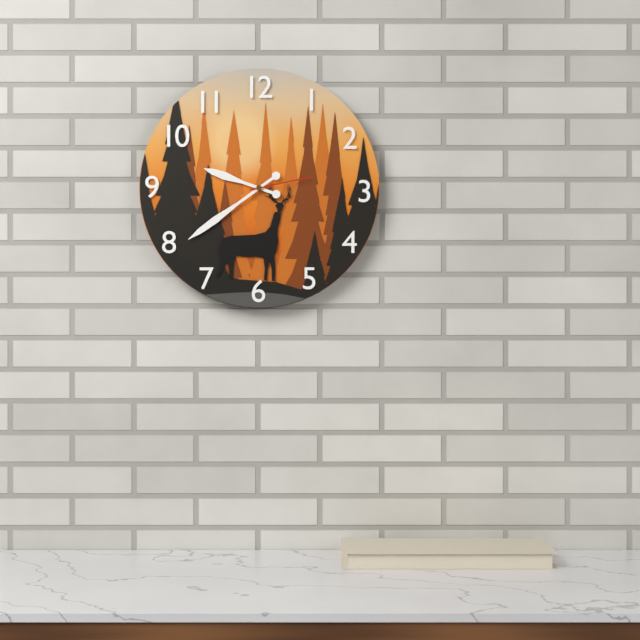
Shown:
9,39,13
